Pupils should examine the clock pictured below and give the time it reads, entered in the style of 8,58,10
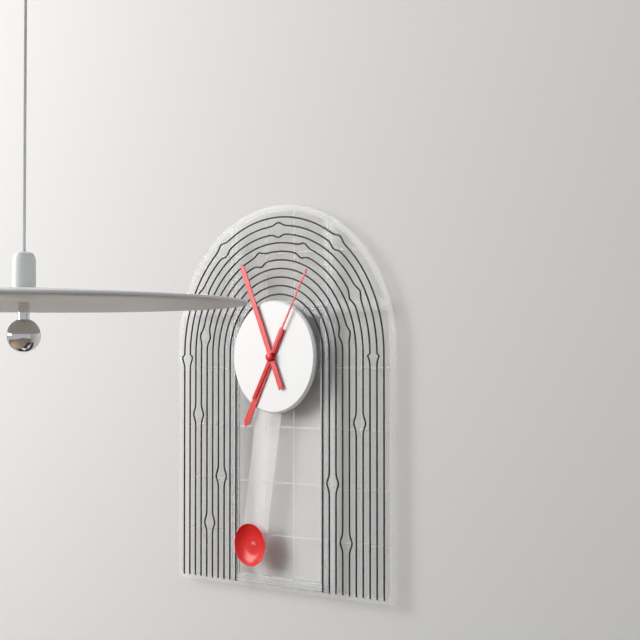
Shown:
6,56,05
